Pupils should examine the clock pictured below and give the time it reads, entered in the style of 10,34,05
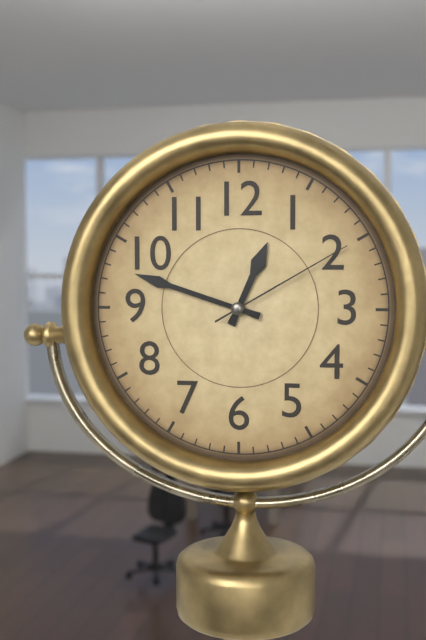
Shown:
12,48,10
